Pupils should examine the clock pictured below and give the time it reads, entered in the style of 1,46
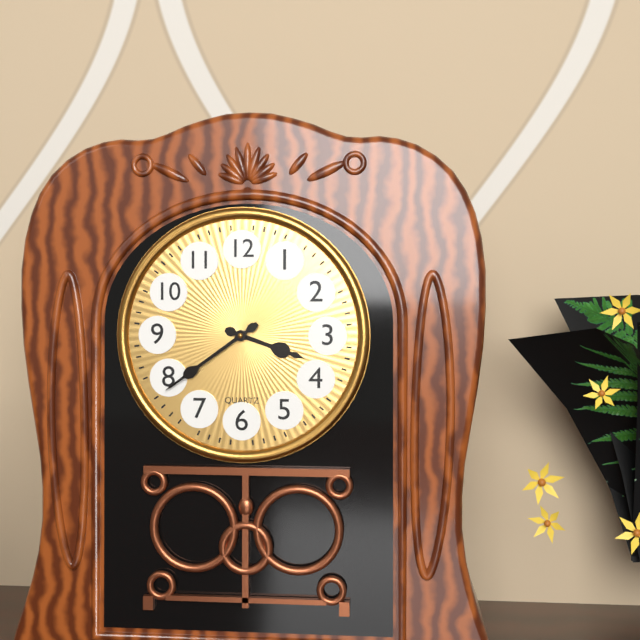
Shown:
3,39
